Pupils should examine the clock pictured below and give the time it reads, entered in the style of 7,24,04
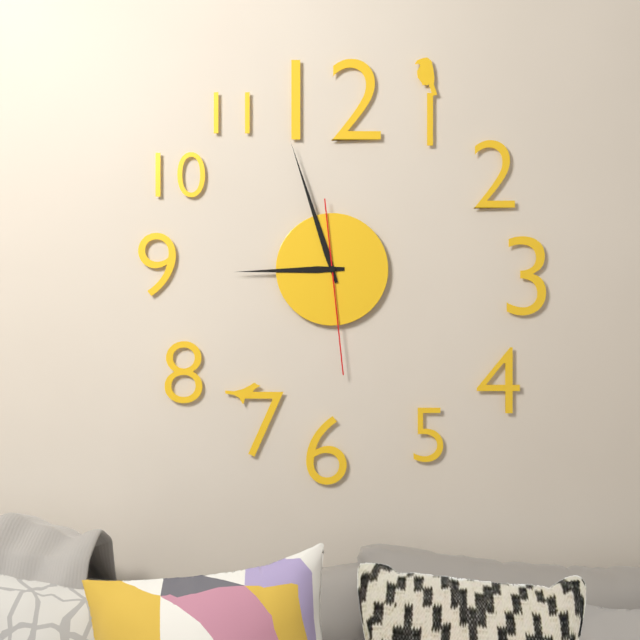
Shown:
8,57,29
